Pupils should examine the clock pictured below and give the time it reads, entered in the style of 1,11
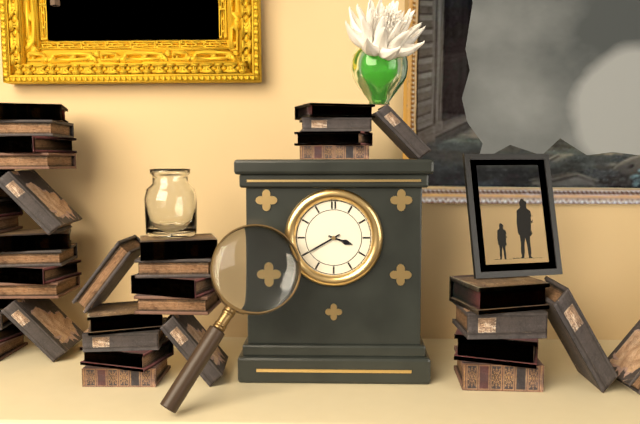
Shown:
3,40
